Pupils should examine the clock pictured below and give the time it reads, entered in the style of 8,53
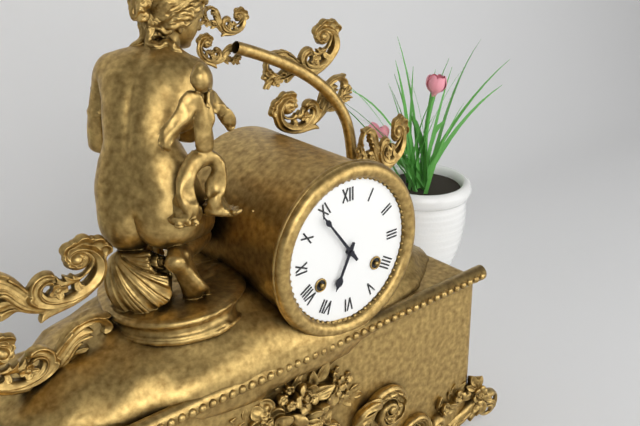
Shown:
6,54
